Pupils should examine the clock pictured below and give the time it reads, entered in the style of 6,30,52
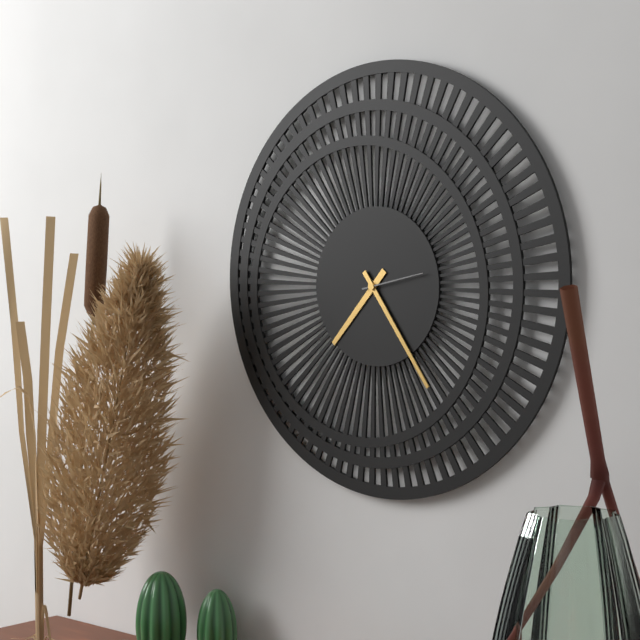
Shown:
7,24,13
